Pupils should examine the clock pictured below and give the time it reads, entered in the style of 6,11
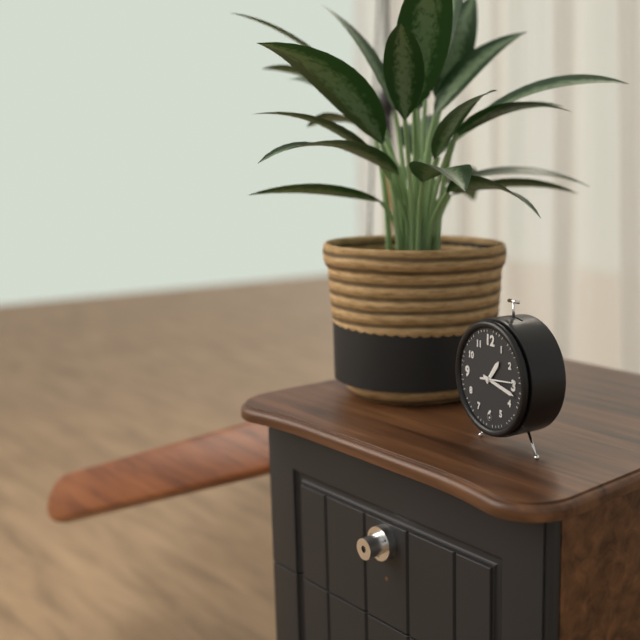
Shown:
1,17
